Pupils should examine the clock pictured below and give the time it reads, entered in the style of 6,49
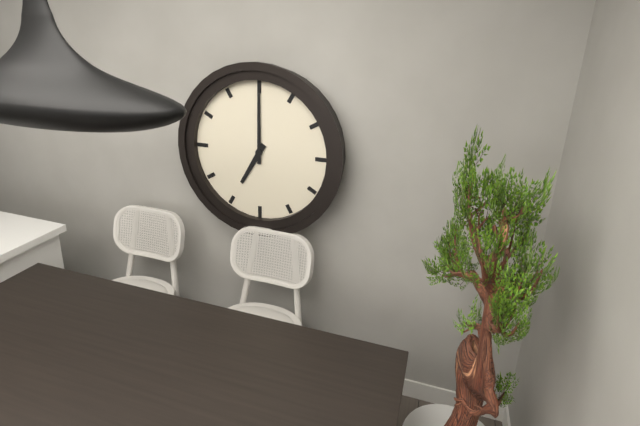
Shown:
7,00
